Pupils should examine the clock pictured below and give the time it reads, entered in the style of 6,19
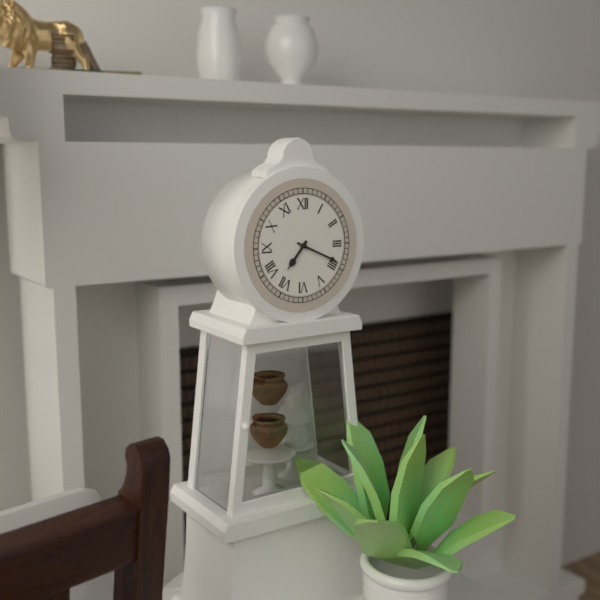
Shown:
7,19
